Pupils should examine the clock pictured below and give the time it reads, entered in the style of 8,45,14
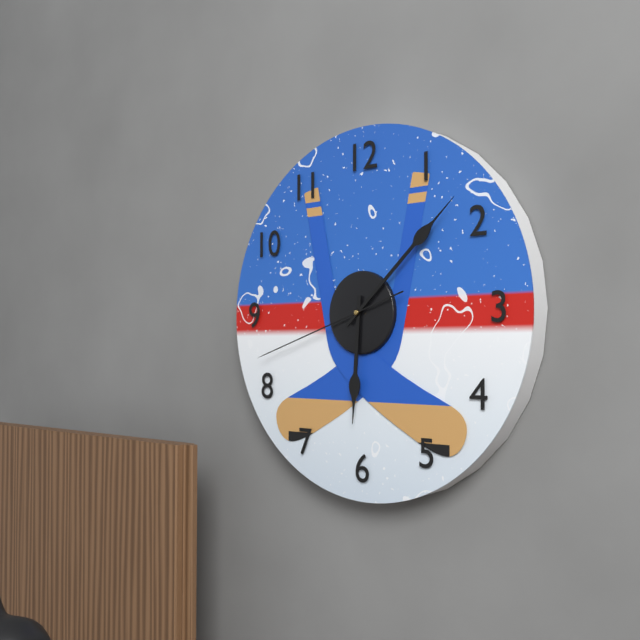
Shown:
6,08,42
